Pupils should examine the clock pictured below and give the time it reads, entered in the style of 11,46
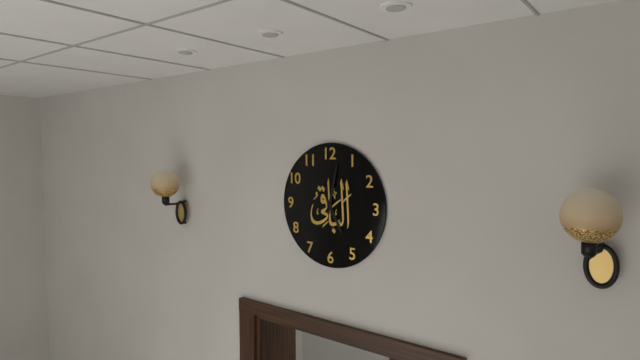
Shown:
5,02
